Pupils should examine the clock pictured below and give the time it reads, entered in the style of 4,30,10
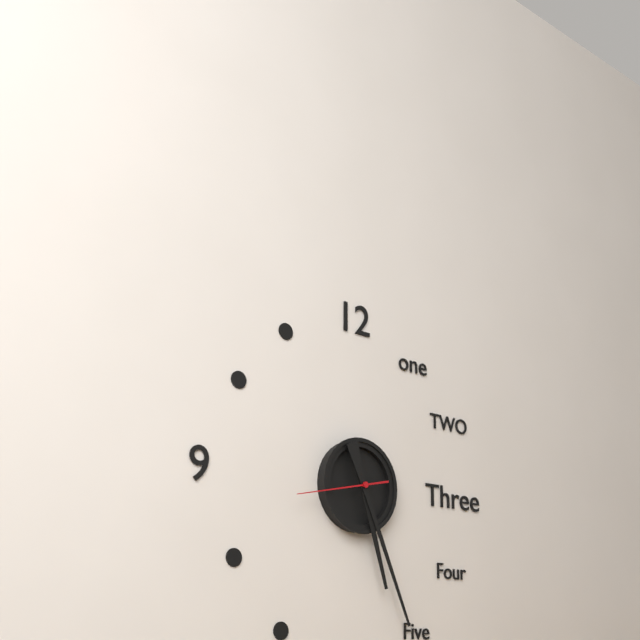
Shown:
5,26,43
